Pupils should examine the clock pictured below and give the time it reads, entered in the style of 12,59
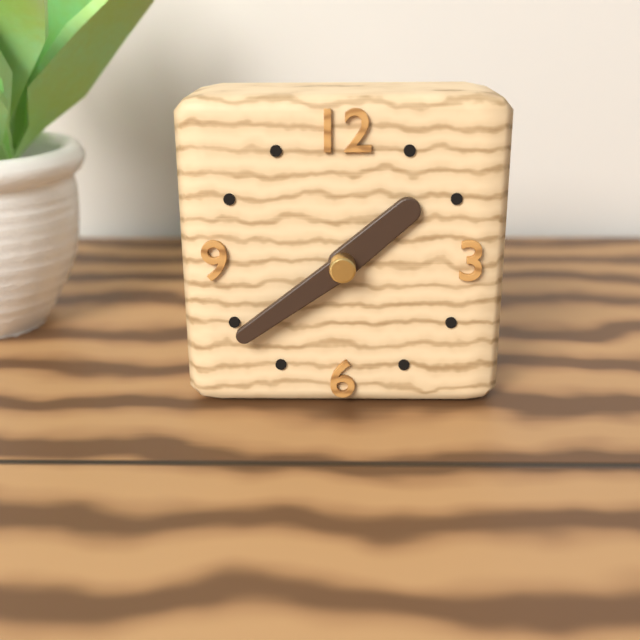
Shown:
1,39
